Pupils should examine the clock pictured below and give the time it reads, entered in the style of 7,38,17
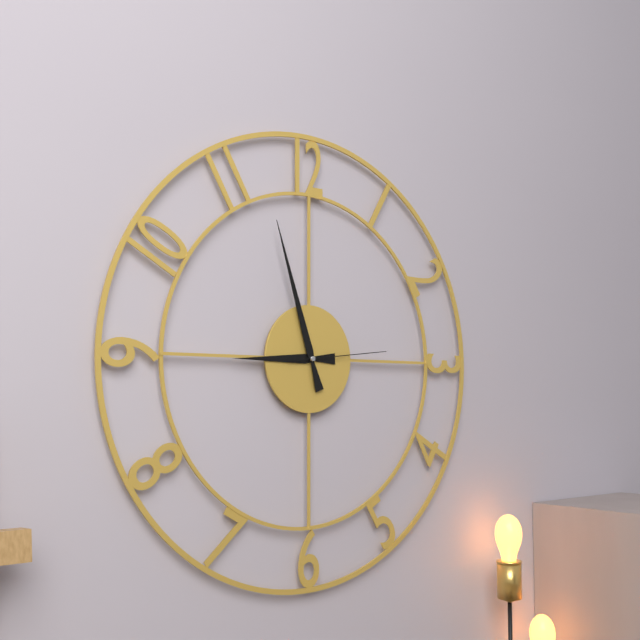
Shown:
8,57,14
